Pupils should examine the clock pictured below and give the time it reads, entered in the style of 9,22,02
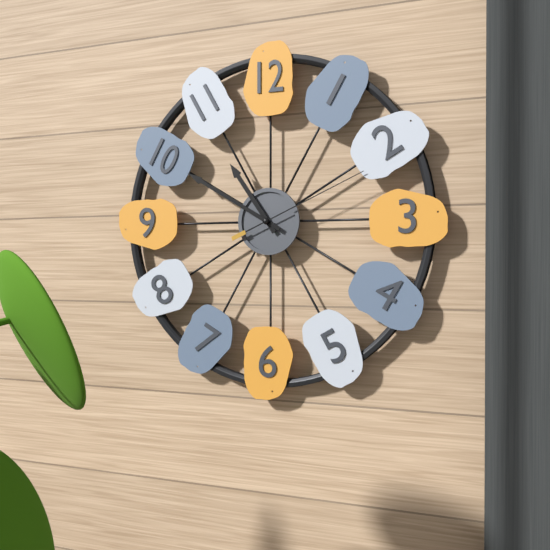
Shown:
10,50,11
